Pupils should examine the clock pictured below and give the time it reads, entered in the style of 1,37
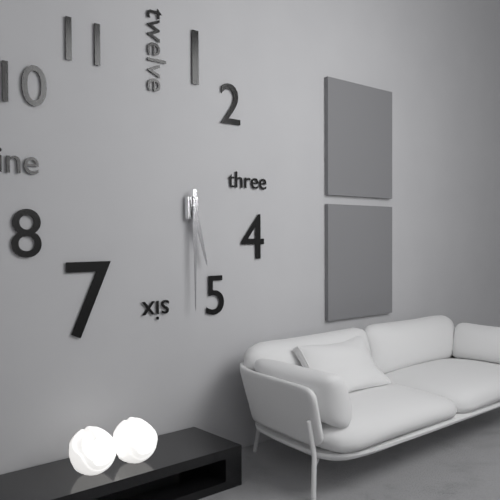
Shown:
5,30
